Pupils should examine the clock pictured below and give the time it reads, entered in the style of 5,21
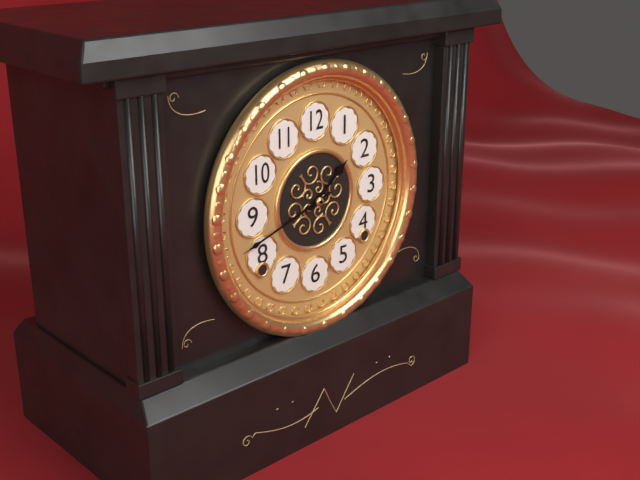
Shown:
1,42
